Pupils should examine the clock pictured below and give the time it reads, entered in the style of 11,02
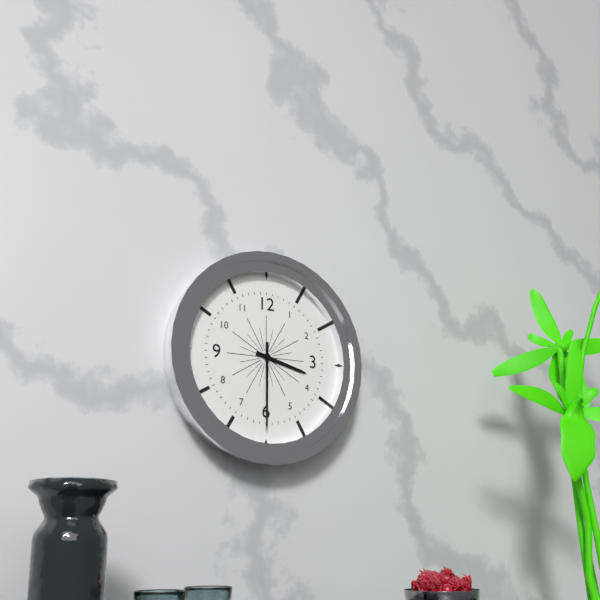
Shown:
3,30
